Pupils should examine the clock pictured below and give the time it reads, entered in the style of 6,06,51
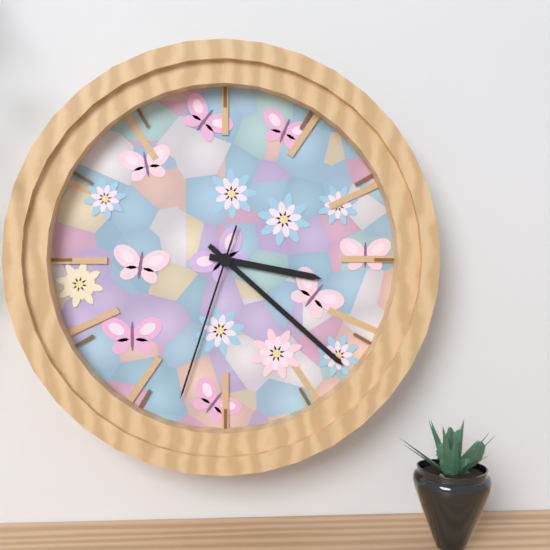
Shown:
3,22,33
